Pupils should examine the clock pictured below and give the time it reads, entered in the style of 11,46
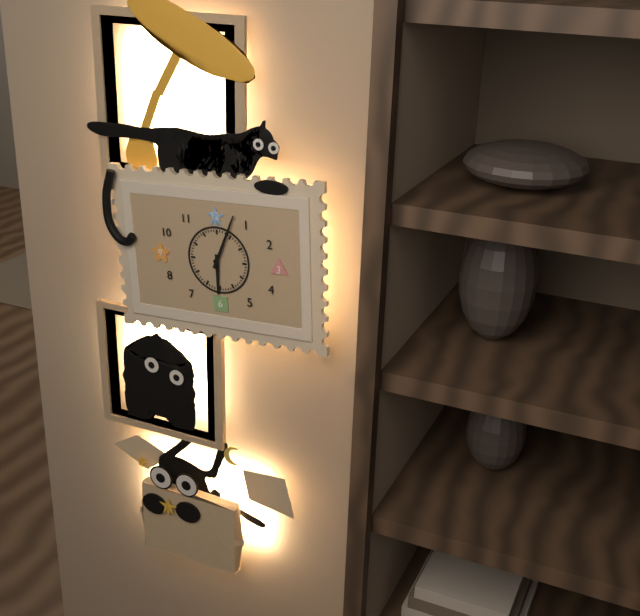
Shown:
6,04
